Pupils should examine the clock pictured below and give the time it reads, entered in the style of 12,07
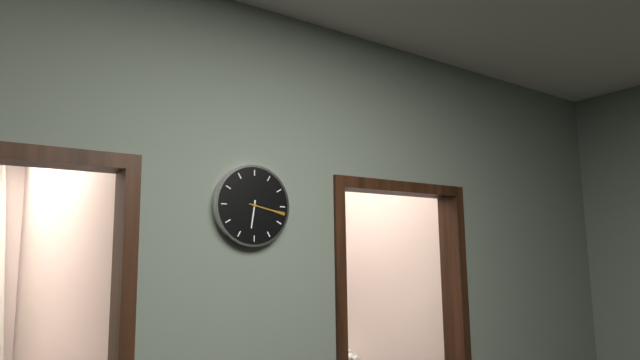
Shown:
6,17
